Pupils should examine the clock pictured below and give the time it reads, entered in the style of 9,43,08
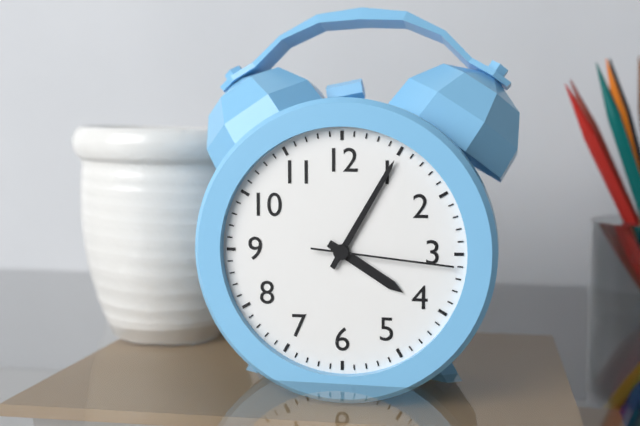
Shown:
4,05,16
